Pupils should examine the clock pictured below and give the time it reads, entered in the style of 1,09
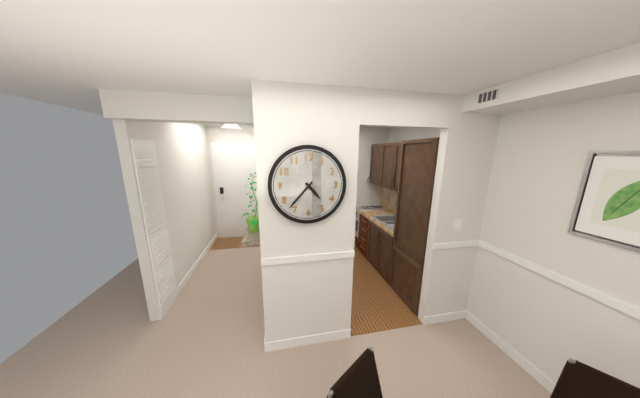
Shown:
4,37
